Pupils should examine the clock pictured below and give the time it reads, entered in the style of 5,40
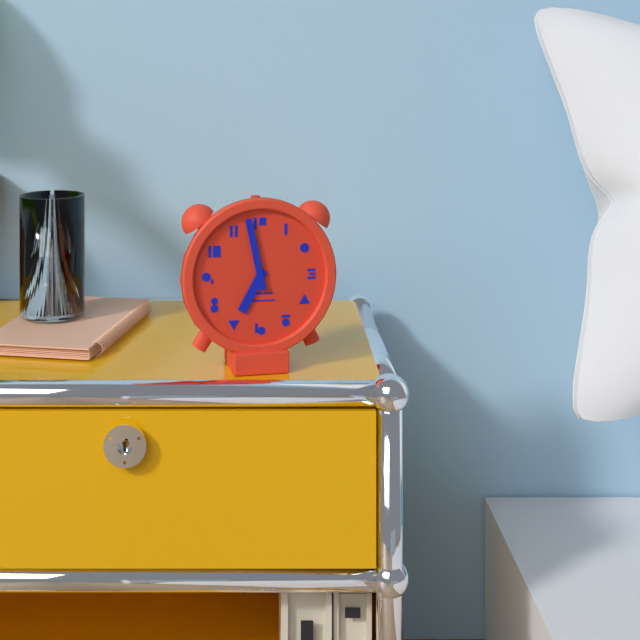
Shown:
6,58
